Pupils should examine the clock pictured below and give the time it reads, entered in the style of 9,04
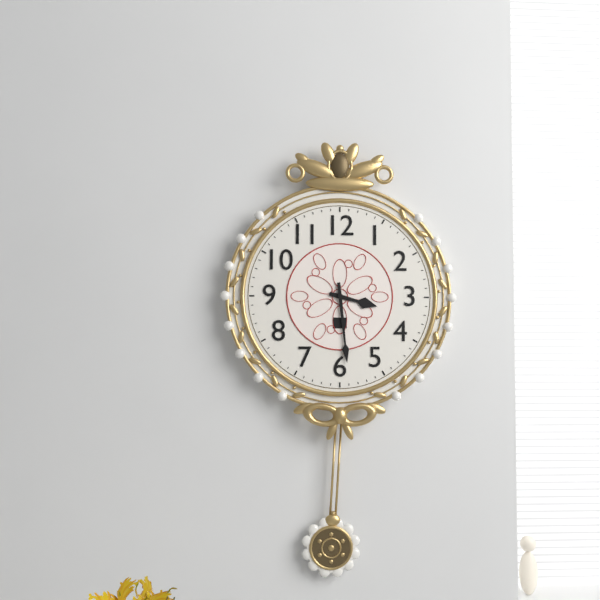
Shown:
3,29
